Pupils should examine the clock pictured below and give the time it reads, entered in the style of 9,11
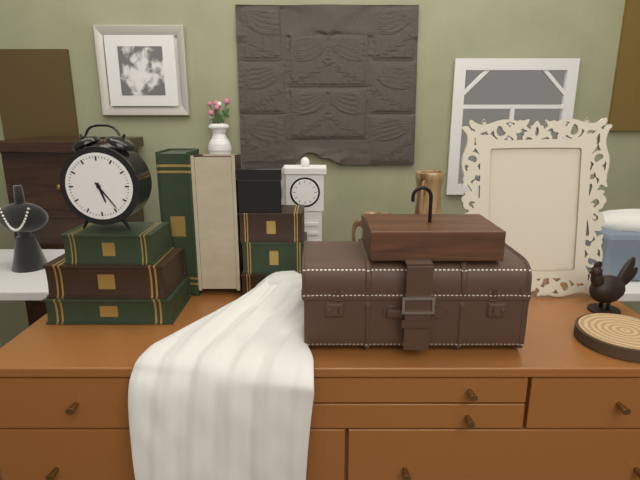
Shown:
5,24
